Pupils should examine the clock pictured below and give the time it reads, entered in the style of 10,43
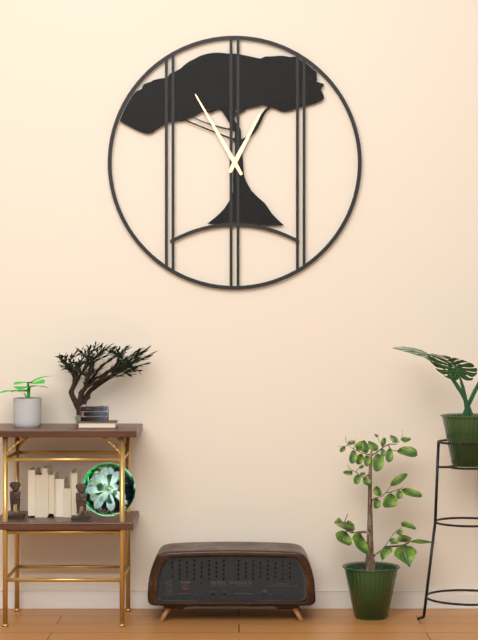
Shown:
12,55
